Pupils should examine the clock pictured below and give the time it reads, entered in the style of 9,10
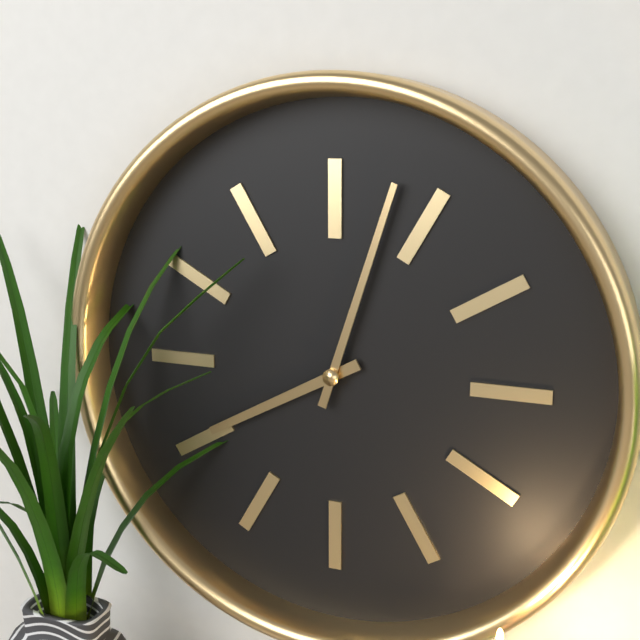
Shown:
8,03
